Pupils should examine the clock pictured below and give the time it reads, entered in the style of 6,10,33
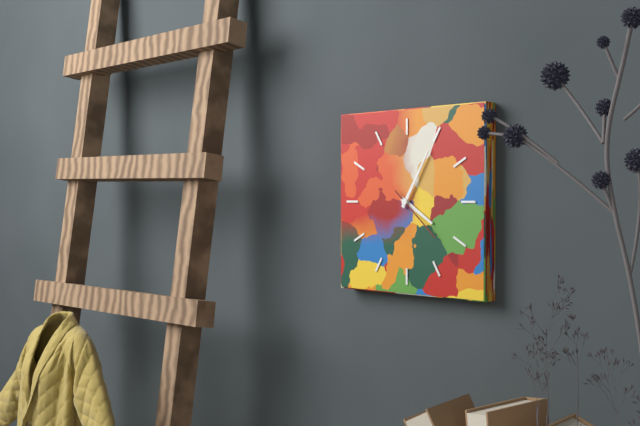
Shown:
4,05,22
